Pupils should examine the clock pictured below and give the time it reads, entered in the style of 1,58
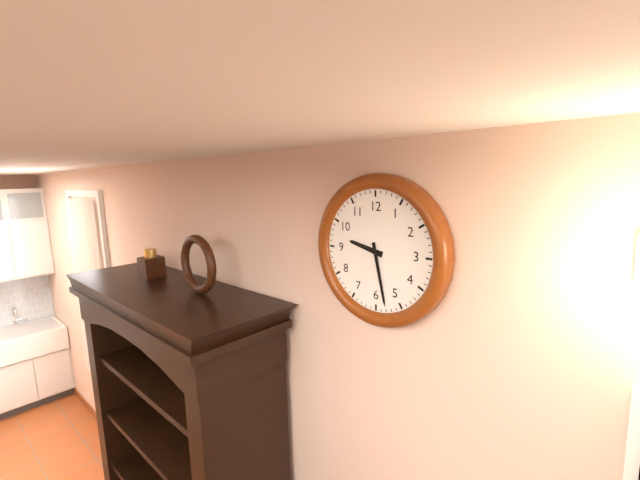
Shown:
9,28
